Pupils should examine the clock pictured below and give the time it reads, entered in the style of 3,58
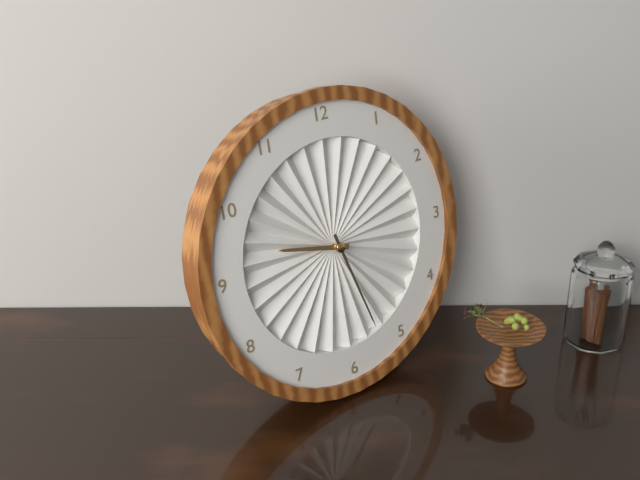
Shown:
9,27
